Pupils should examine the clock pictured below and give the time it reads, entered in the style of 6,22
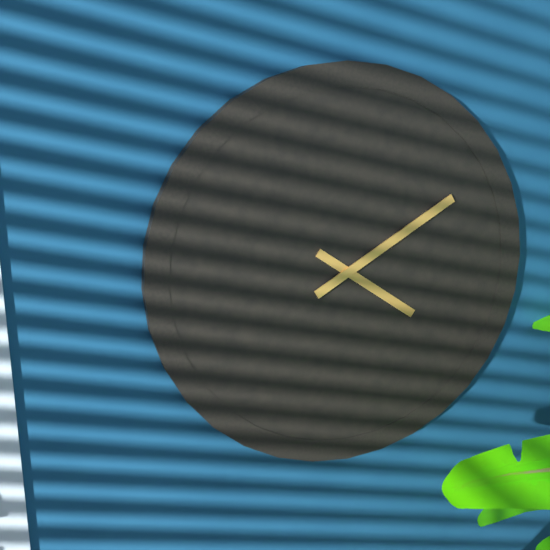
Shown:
4,10
